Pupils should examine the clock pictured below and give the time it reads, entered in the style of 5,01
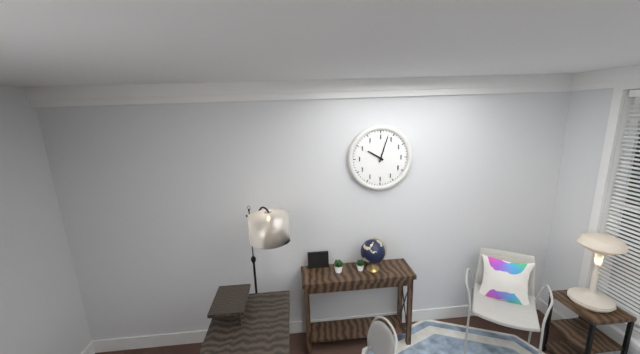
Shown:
10,03
